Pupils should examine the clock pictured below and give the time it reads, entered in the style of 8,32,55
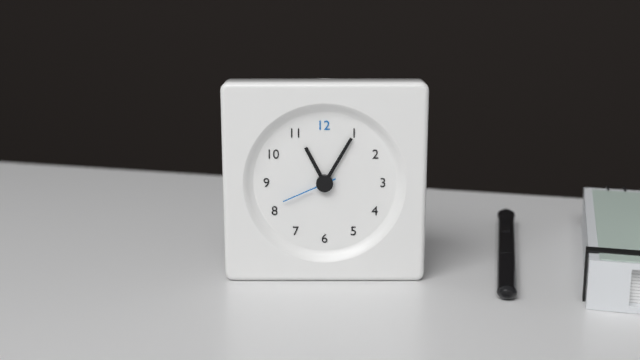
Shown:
11,05,41
